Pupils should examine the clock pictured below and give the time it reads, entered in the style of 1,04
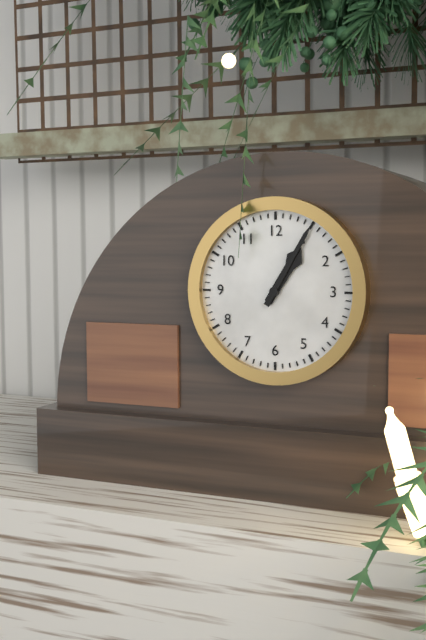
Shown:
1,05
